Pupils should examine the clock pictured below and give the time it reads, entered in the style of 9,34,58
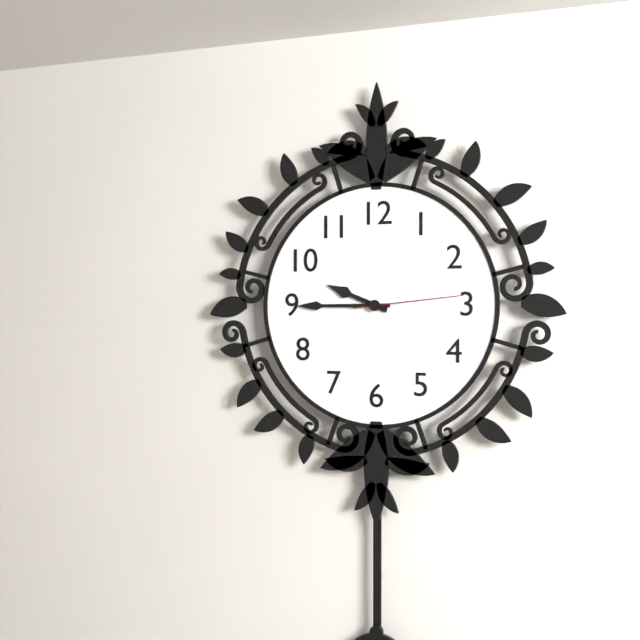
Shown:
9,45,14
